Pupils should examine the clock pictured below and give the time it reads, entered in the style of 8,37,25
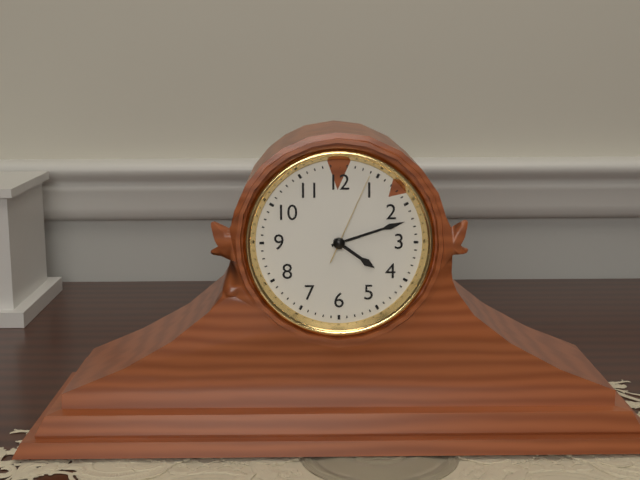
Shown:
4,12,04
